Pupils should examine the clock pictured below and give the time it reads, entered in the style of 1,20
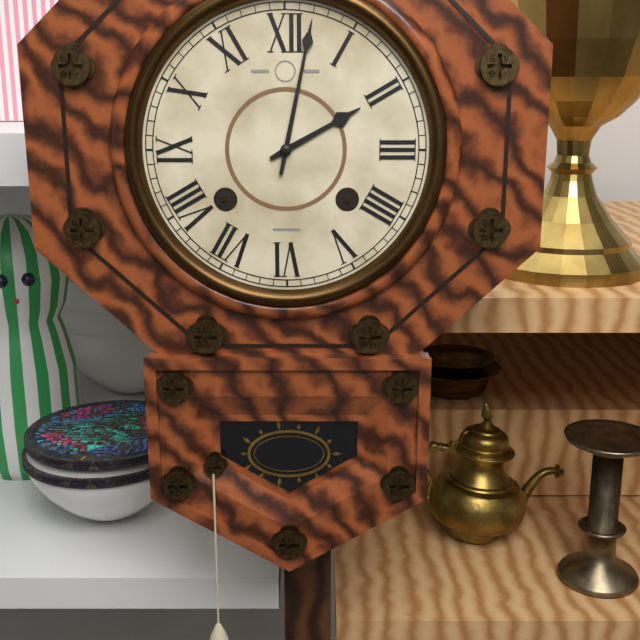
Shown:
2,02
